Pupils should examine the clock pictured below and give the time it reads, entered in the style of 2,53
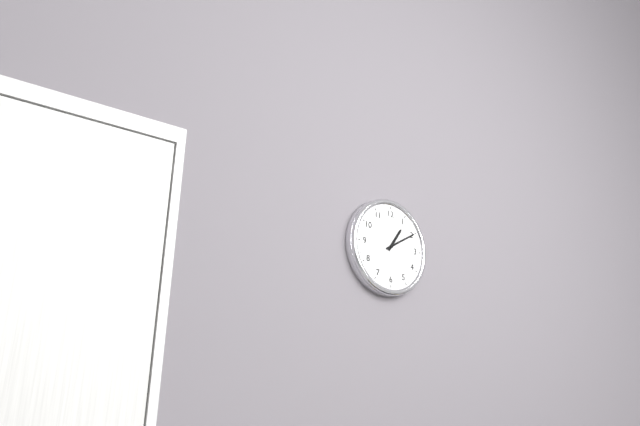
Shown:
1,10
